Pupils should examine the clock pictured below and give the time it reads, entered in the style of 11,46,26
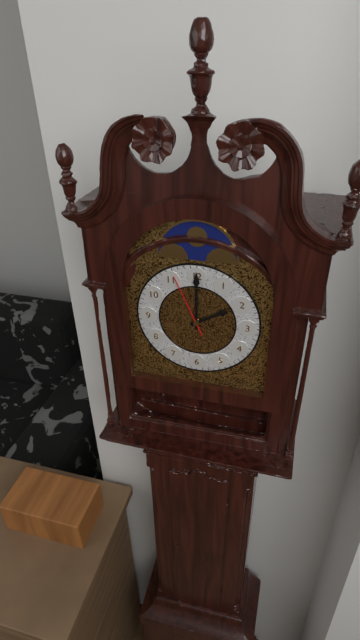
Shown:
2,00,56
